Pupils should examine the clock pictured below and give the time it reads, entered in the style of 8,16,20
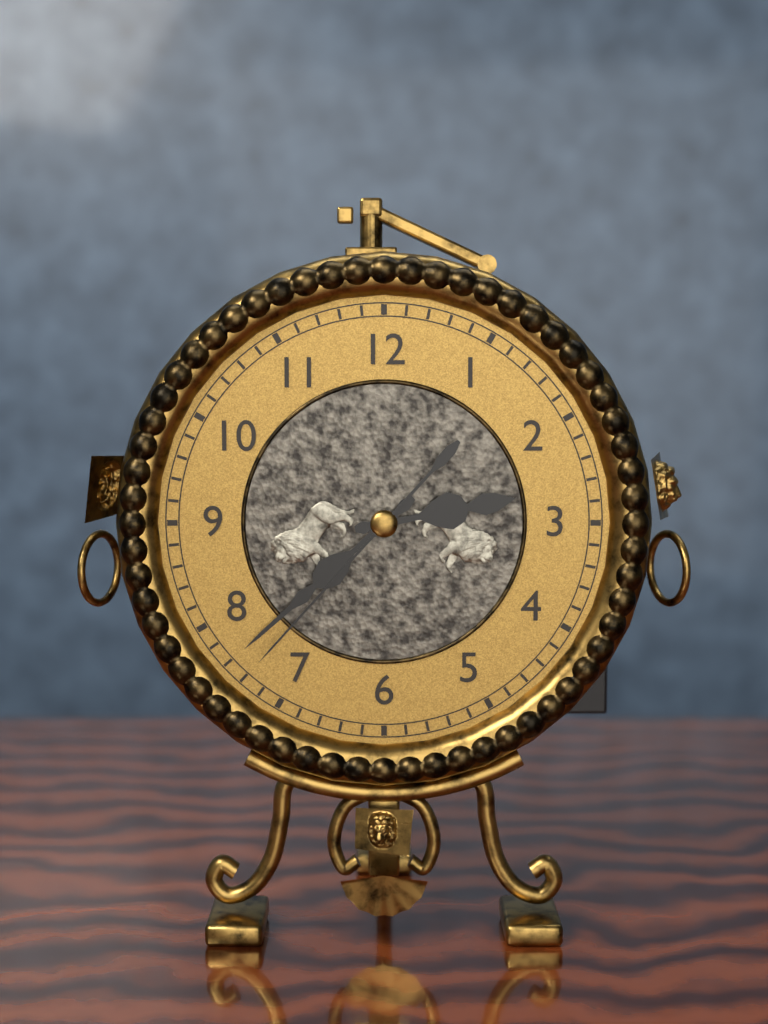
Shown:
2,38,37
